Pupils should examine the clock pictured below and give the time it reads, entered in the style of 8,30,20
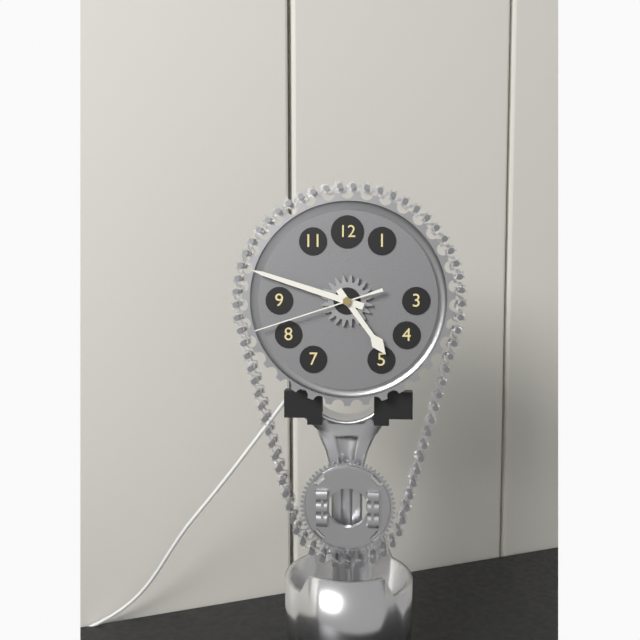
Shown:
4,48,42
